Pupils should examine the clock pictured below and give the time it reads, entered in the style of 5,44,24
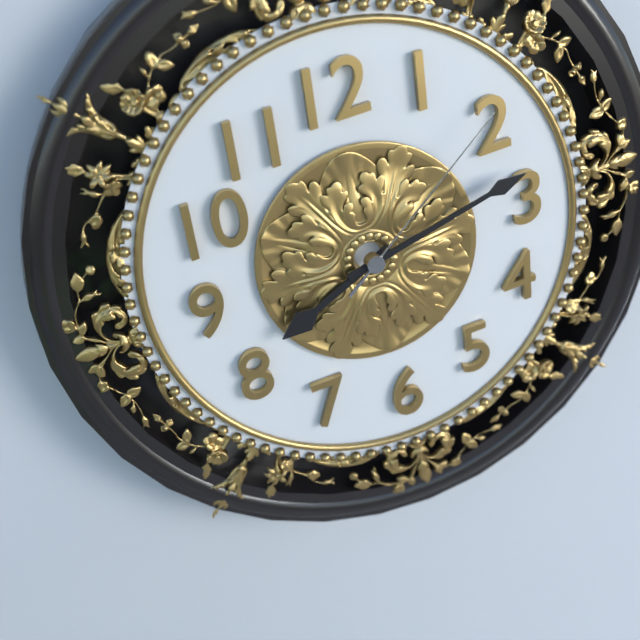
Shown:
8,13,09
